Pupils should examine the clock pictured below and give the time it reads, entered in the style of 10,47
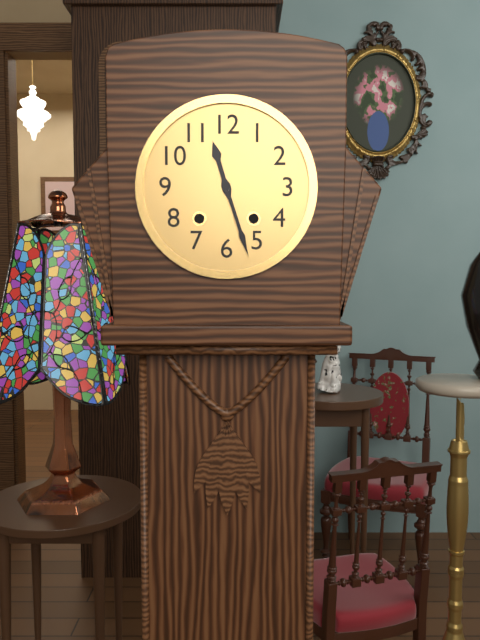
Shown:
11,27
